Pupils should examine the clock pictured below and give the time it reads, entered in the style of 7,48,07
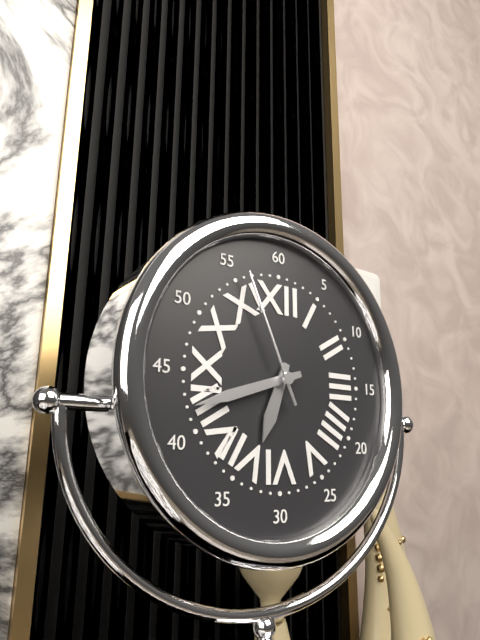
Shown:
6,42,56
